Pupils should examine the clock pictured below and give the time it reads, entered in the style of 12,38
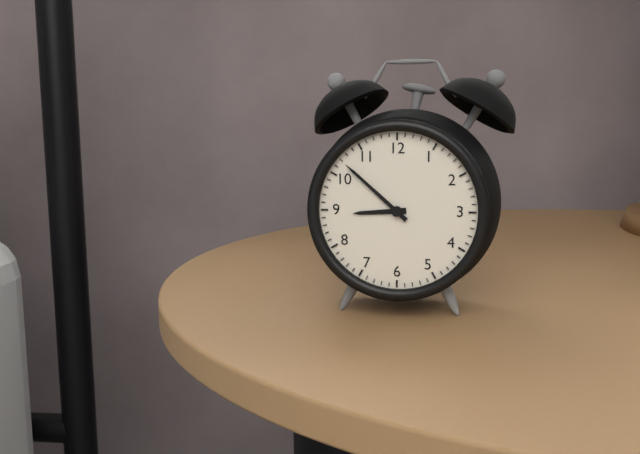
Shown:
8,52
